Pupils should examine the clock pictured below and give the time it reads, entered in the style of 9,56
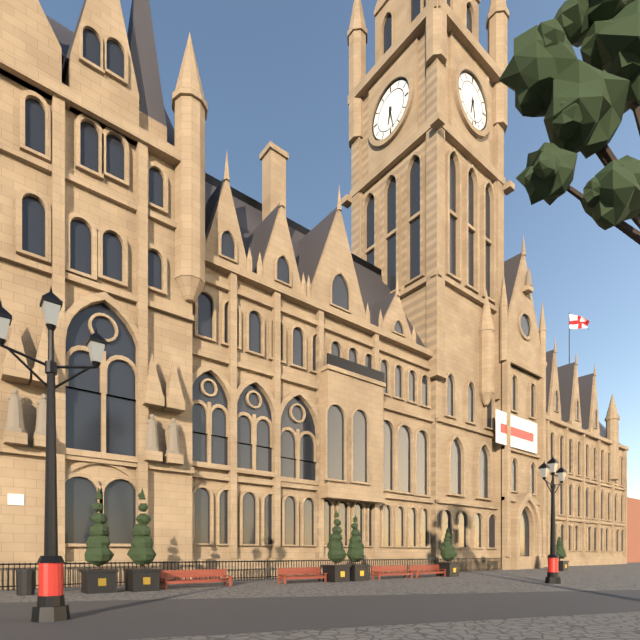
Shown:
6,28
